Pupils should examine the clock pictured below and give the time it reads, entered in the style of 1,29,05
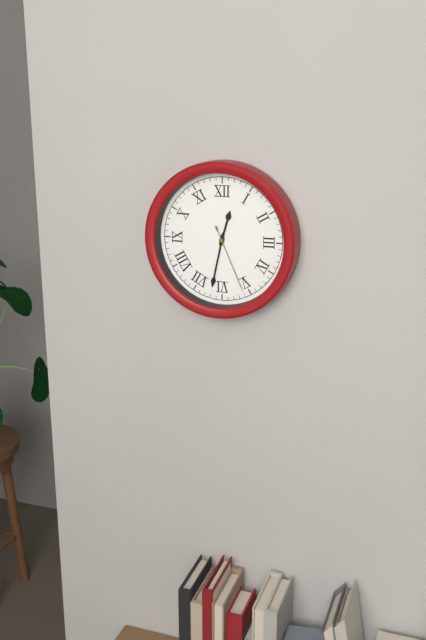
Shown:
12,32,26
